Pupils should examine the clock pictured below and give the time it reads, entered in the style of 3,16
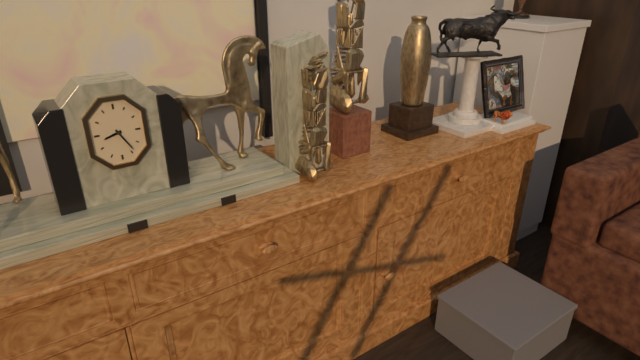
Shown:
8,25
